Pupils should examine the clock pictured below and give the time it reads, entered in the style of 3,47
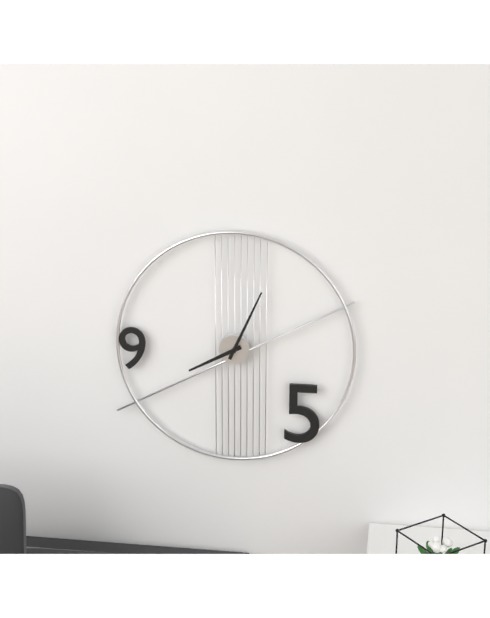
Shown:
8,04
